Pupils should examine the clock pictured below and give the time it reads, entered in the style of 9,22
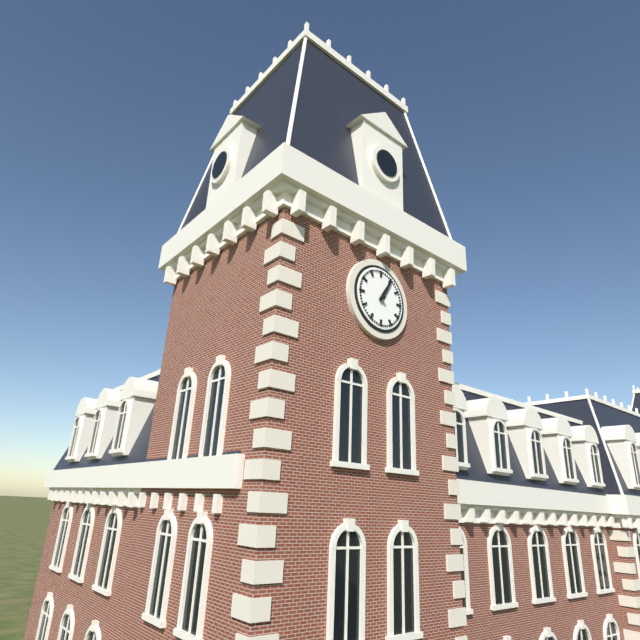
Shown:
1,05
